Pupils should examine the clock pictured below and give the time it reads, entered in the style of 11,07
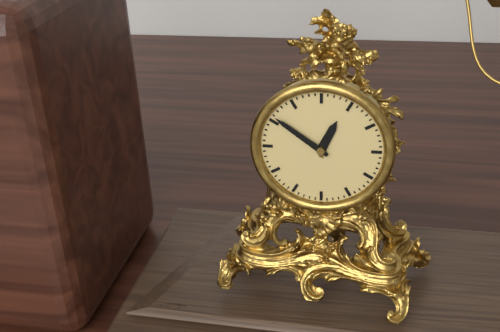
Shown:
12,51
